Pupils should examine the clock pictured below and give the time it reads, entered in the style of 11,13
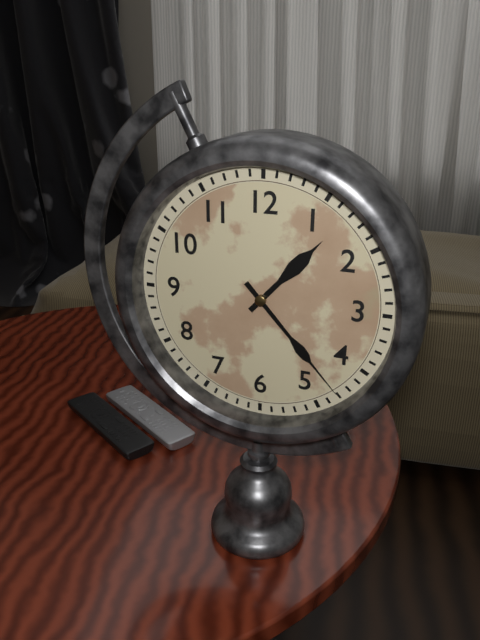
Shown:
1,23
